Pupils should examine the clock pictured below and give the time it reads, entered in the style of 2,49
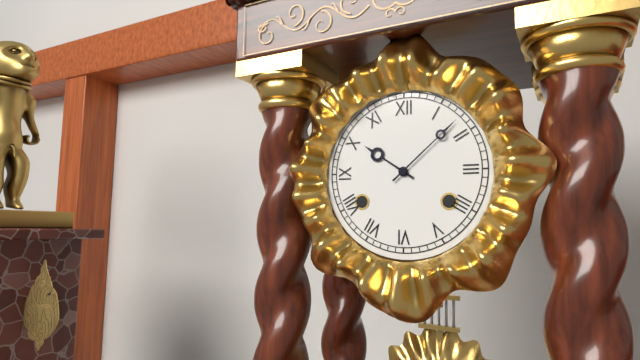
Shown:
10,08
